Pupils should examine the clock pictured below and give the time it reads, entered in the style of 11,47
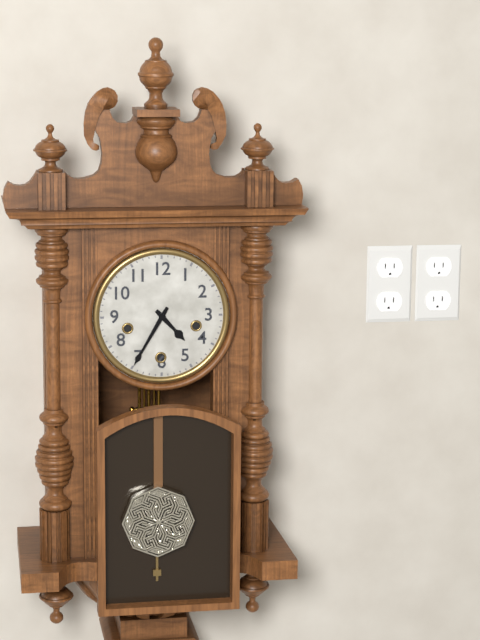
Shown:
4,35
